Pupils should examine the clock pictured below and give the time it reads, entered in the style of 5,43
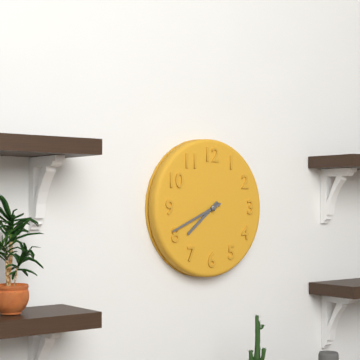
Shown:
7,41
